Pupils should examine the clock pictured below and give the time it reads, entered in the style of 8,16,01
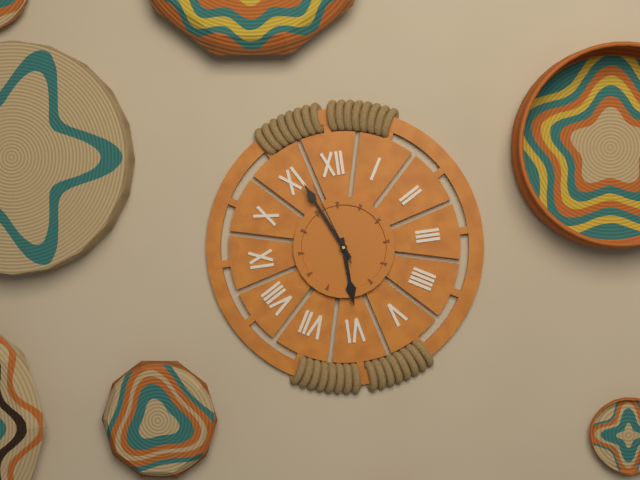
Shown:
5,56,57
